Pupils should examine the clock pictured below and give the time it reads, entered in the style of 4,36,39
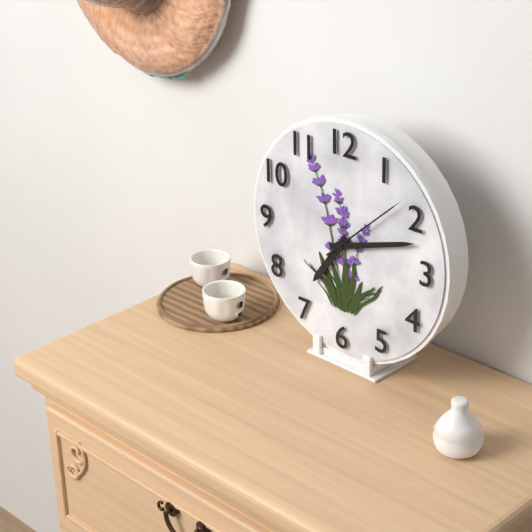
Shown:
7,12,08
